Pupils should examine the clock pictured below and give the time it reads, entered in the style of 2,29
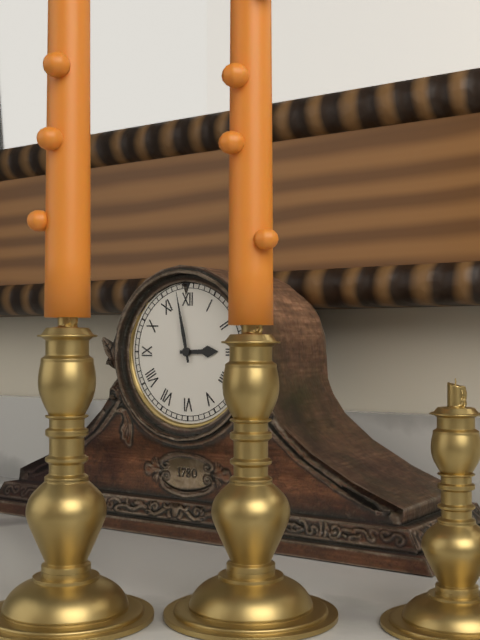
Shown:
2,58
